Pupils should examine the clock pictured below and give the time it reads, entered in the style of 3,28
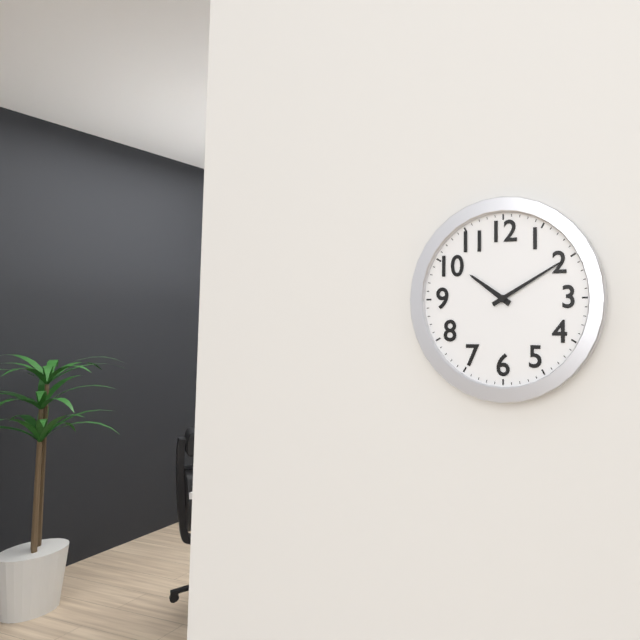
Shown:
10,10
